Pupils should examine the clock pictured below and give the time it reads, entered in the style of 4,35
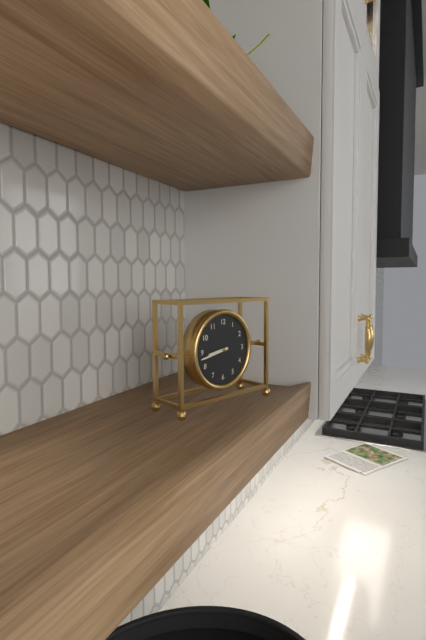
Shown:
8,43
